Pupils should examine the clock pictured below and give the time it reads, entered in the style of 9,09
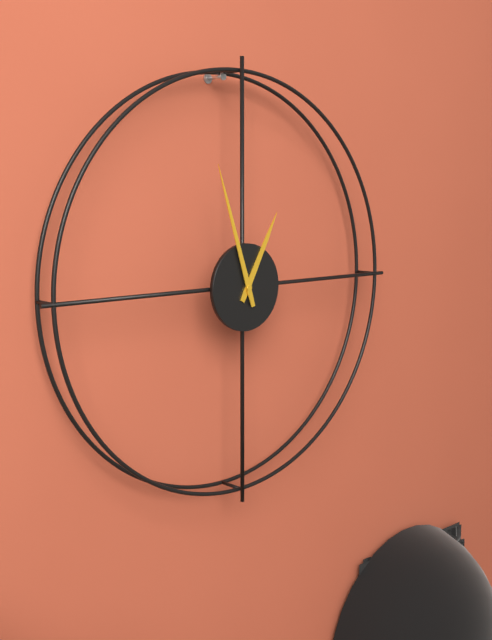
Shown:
12,57
